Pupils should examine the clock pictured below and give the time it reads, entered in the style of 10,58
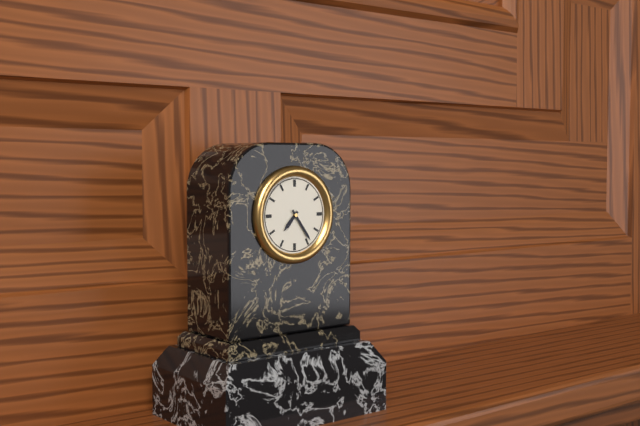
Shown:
7,24
